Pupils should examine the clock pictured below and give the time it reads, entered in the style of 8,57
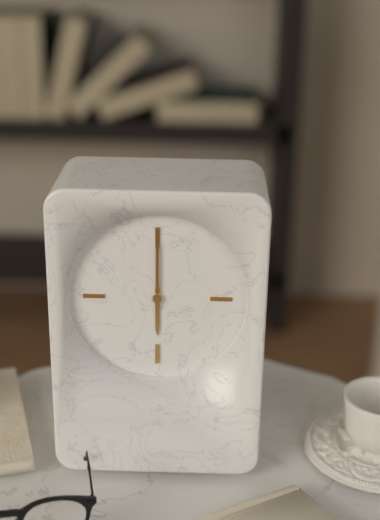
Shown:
6,00
